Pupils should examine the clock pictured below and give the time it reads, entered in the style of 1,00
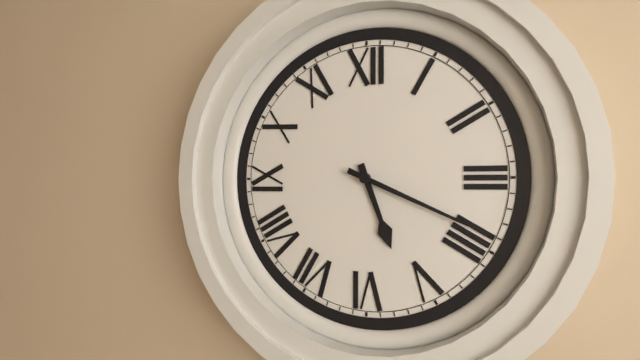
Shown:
5,19
